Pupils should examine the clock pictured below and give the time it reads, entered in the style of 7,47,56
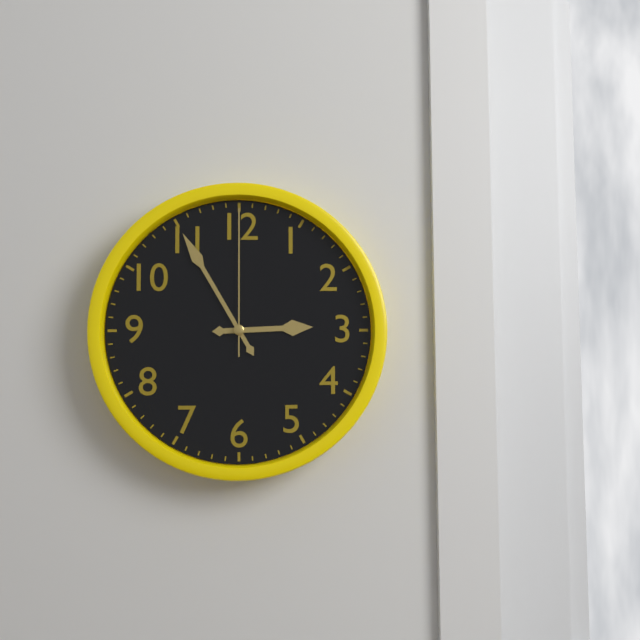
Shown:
2,55,00
